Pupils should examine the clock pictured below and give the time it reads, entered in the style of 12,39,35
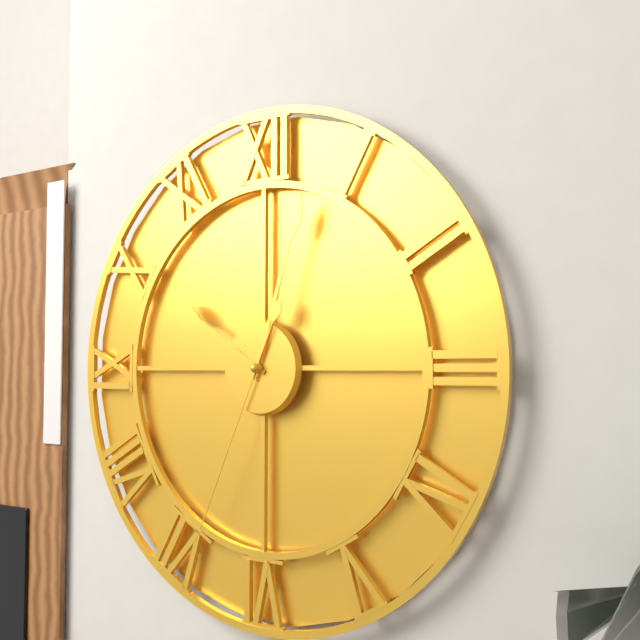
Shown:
10,03,34
